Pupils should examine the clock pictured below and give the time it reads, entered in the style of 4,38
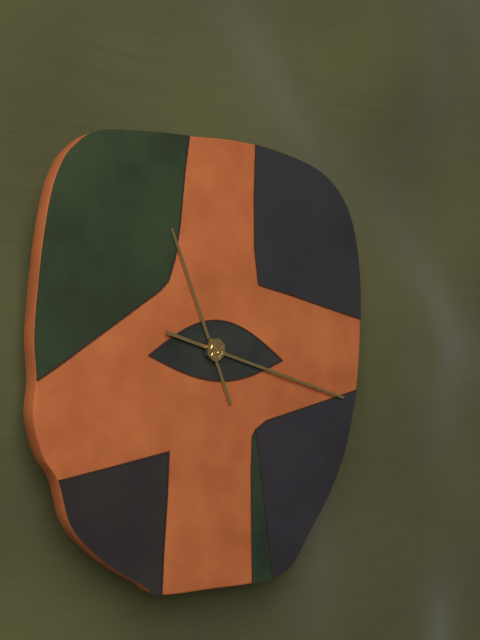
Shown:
11,18
